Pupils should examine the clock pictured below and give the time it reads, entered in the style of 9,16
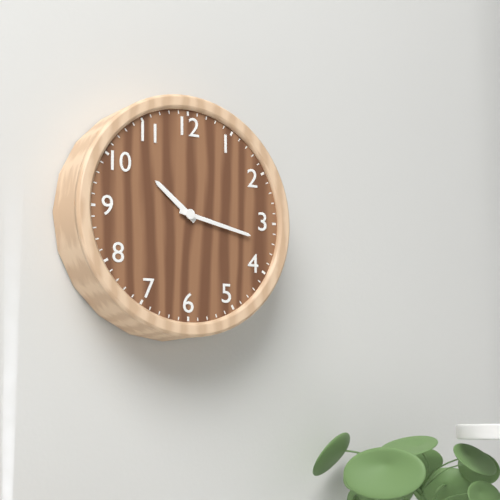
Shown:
10,17
